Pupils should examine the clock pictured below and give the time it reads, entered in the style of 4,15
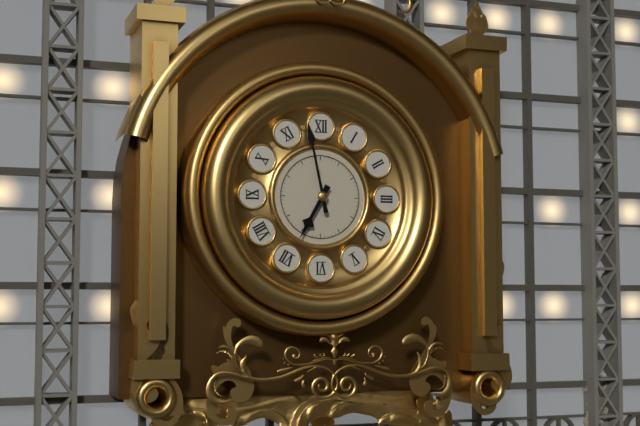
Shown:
6,58
